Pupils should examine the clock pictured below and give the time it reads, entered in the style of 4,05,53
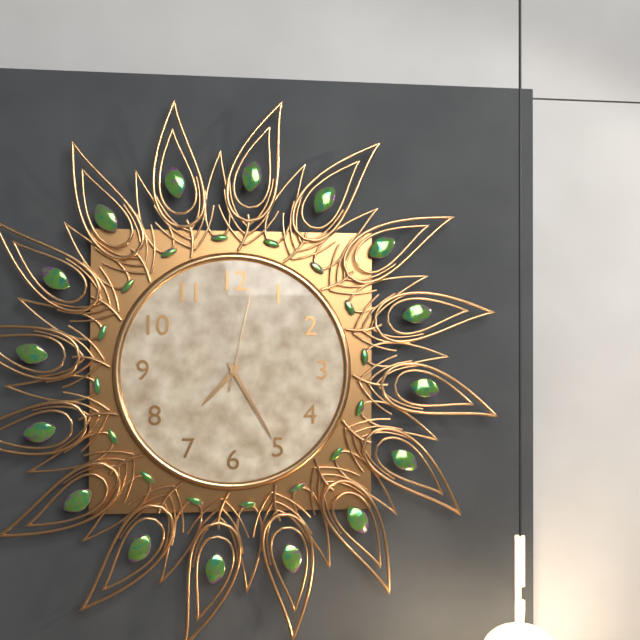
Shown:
7,25,02
